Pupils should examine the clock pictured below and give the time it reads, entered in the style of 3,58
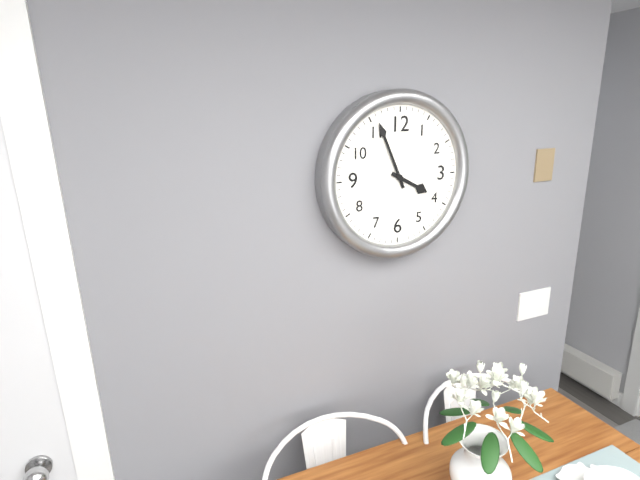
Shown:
3,56
